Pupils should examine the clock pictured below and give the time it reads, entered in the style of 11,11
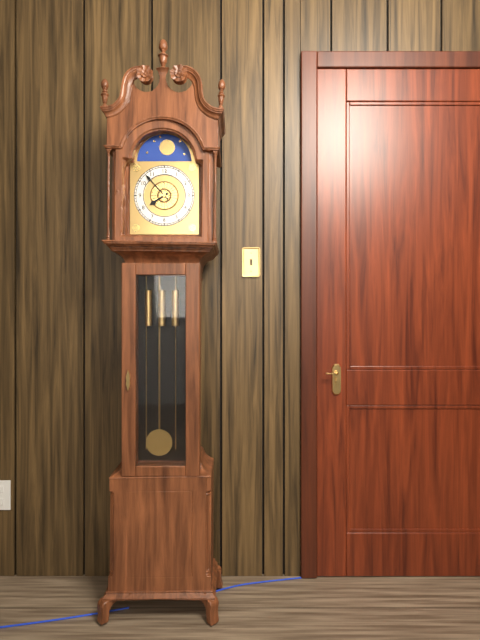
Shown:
7,53
